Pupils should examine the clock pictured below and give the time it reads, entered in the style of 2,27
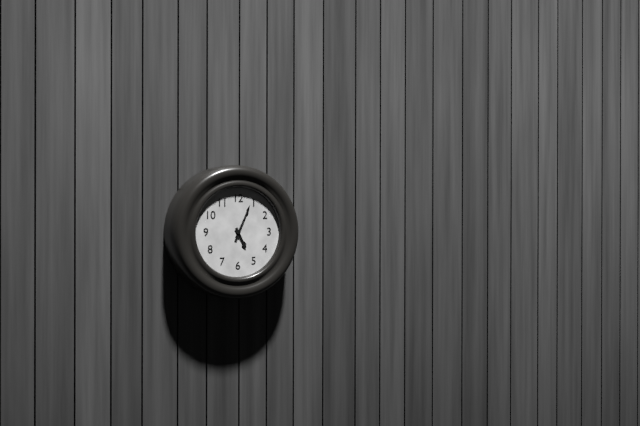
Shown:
5,04
